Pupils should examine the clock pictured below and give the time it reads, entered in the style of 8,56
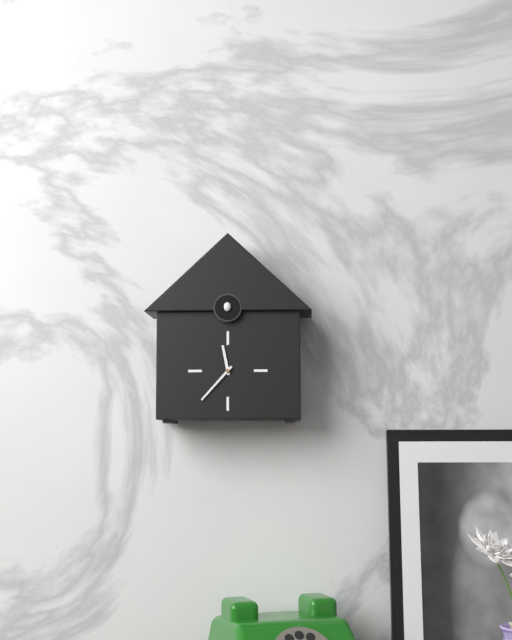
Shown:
11,37
